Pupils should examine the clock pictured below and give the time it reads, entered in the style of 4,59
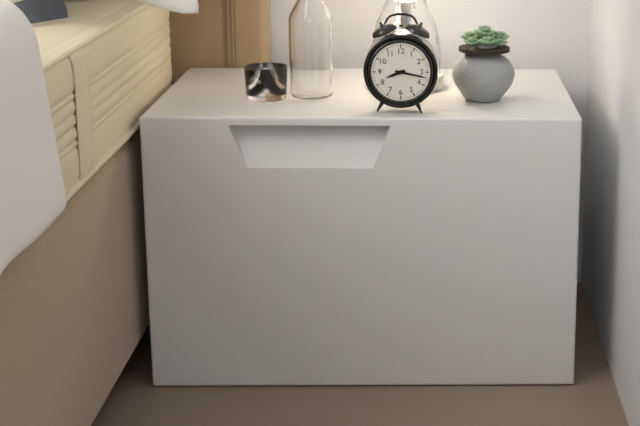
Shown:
8,17
